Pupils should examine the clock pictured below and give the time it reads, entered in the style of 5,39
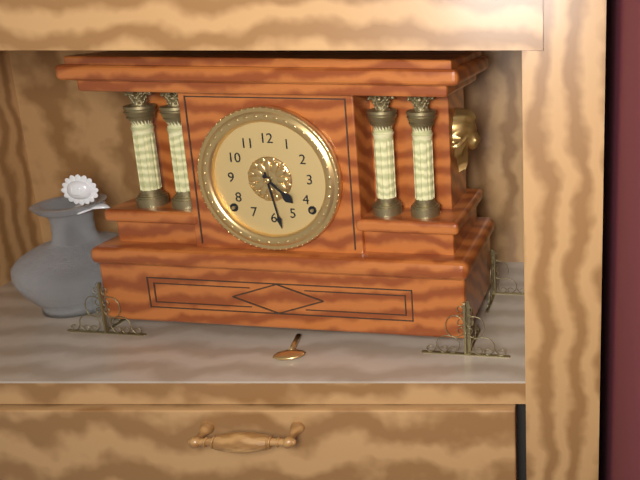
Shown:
4,28
